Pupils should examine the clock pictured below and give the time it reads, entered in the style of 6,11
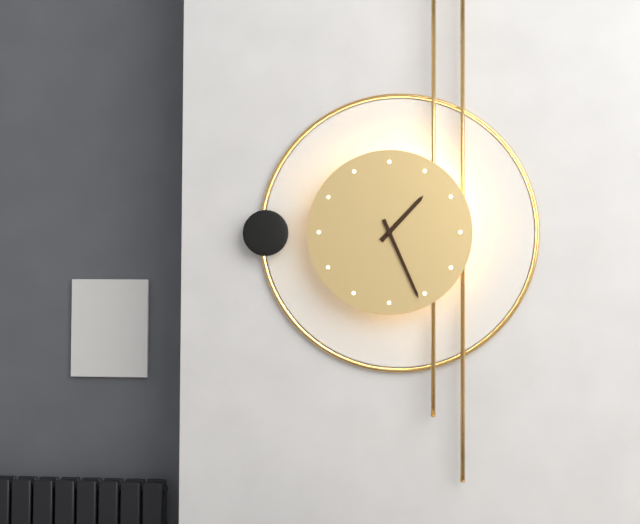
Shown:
1,26
